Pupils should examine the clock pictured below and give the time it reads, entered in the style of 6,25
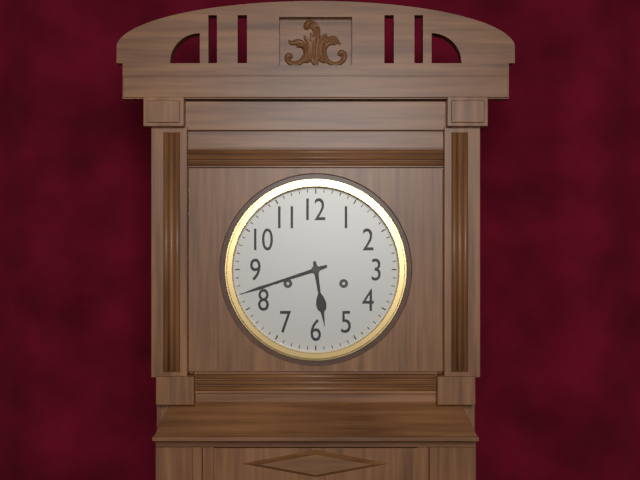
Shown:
5,42
